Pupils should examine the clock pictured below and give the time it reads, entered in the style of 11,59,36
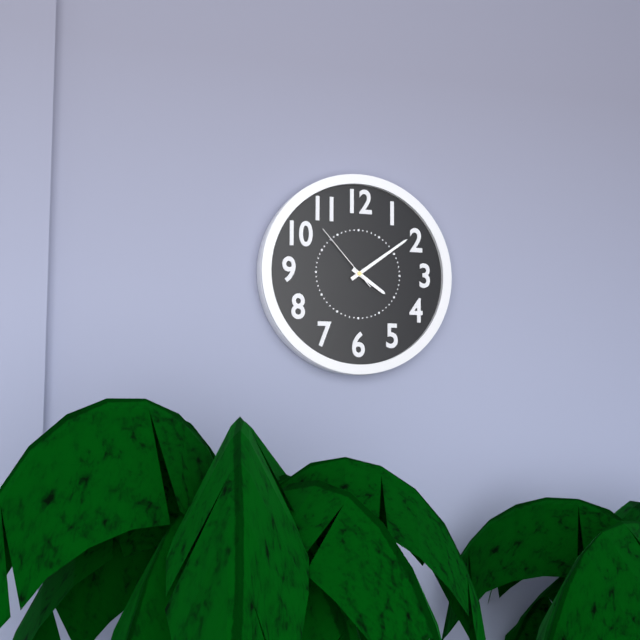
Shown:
4,09,53
